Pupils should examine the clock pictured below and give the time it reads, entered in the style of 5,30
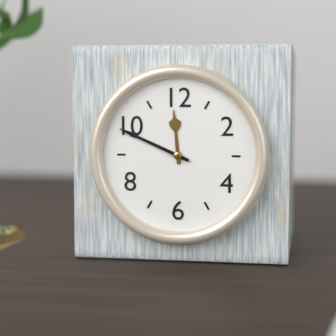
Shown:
11,49
